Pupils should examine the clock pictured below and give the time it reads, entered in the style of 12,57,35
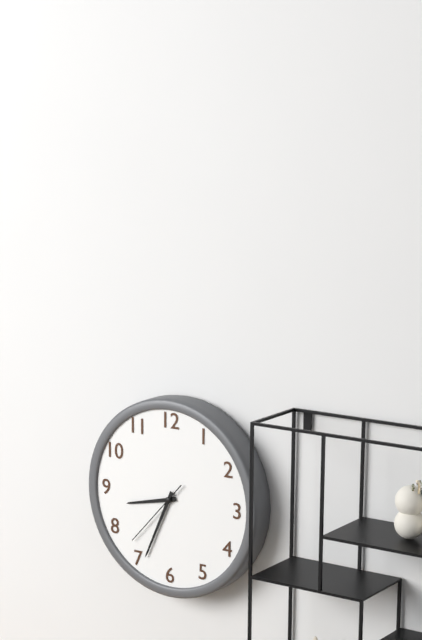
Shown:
8,34,37
